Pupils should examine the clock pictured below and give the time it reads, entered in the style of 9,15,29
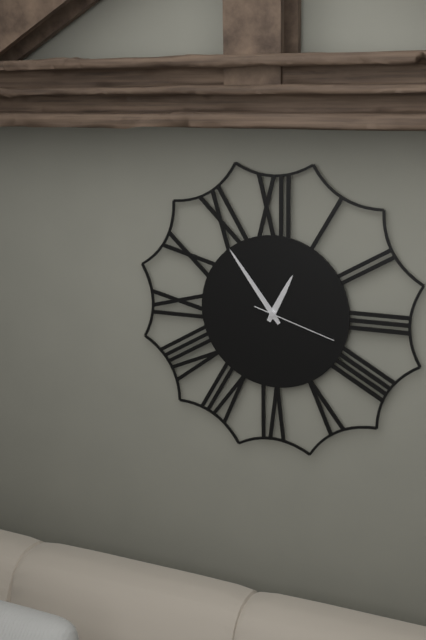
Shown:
12,54,18
